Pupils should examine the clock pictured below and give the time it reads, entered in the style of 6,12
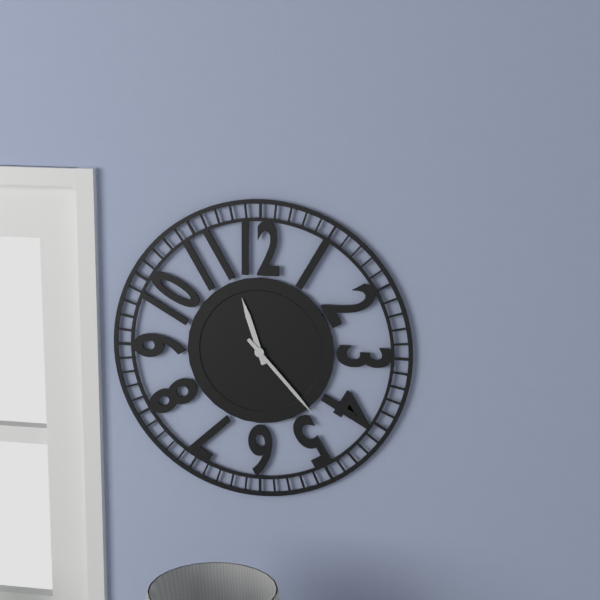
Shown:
11,23
